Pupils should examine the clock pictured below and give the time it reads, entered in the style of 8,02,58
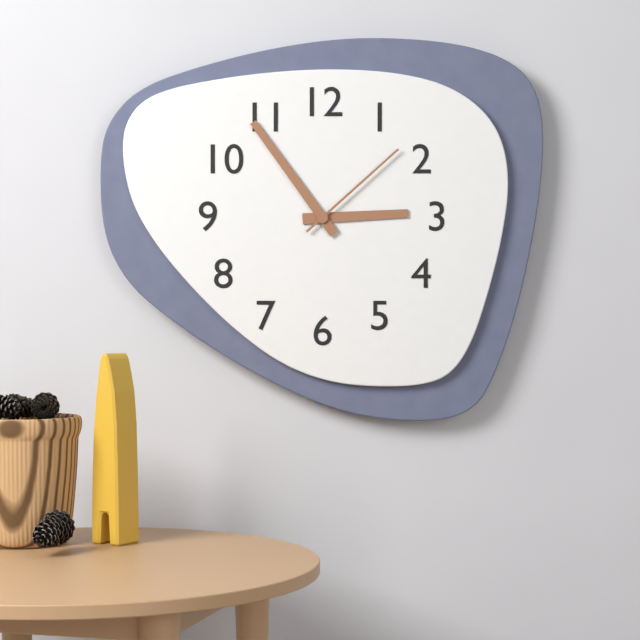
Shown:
2,54,08
